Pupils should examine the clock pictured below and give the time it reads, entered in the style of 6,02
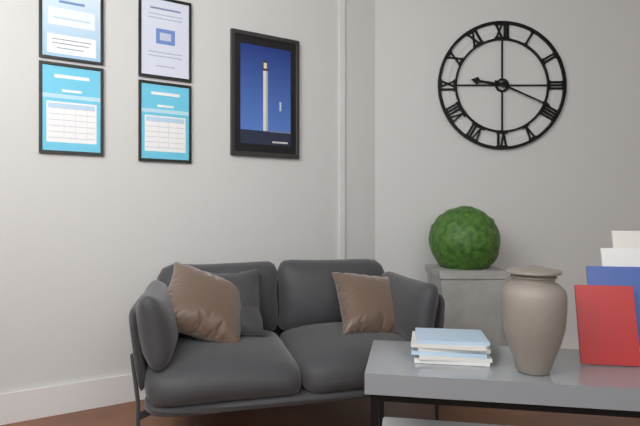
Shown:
9,19
